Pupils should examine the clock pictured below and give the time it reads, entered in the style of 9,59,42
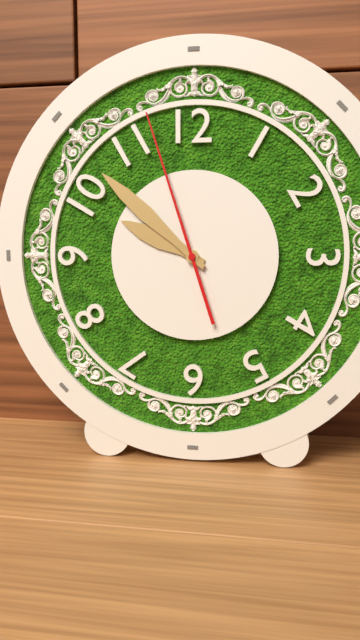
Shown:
9,52,57
